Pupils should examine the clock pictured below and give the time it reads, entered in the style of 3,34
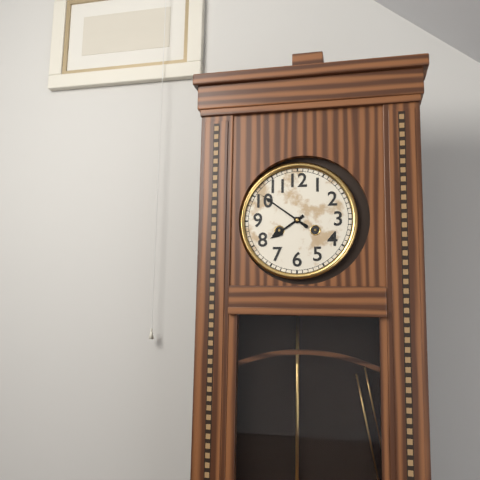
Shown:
7,51
